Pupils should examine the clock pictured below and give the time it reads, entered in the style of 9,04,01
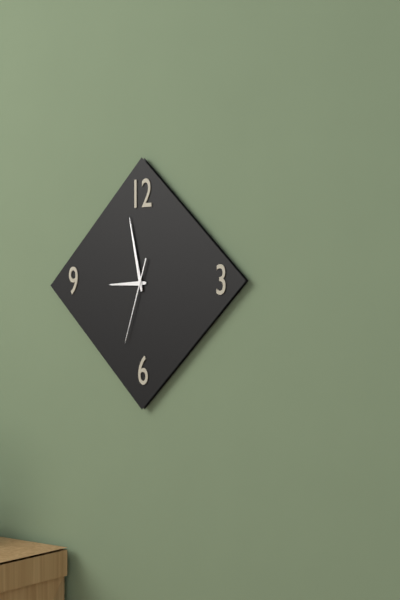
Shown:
8,58,33
